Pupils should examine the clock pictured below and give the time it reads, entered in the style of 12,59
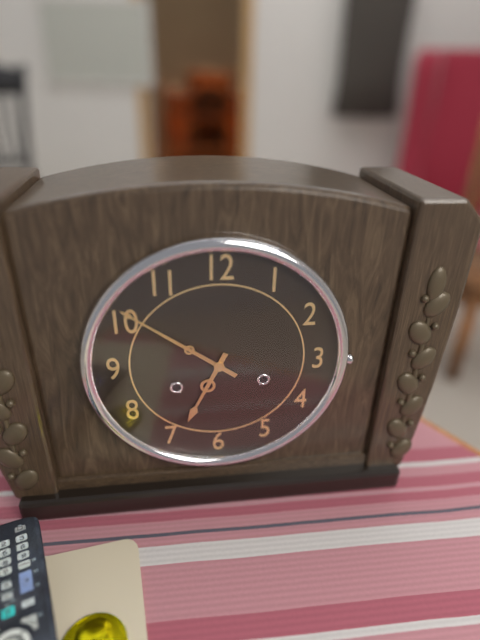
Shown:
6,51
